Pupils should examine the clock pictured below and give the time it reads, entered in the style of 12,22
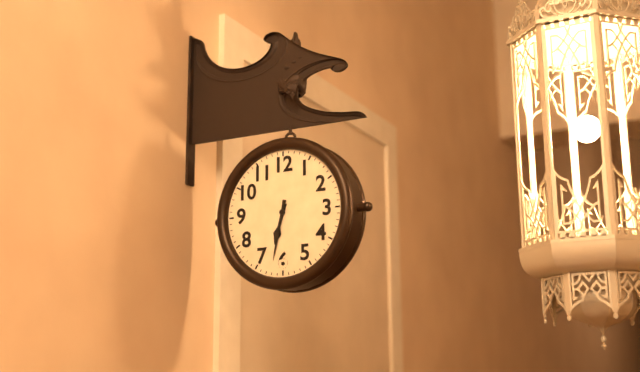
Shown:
6,32
